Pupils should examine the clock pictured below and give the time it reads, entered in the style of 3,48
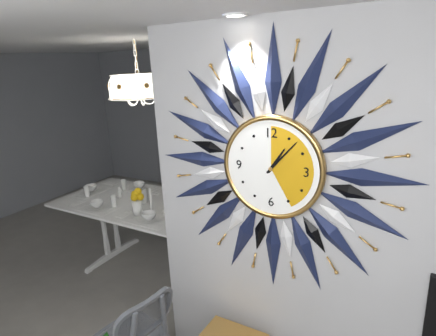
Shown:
1,07
